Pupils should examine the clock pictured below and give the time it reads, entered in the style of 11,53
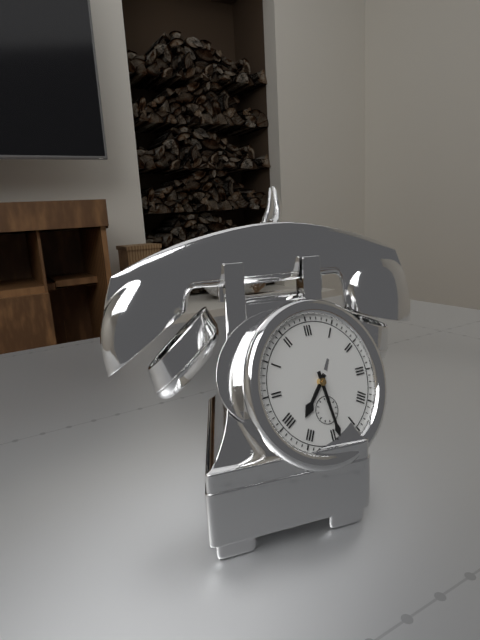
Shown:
7,29
